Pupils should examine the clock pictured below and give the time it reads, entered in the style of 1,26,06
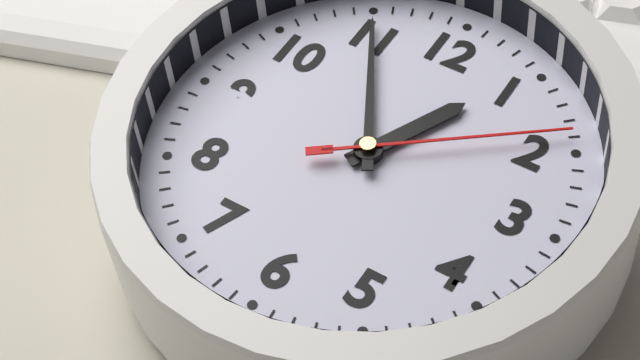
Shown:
12,55,09
